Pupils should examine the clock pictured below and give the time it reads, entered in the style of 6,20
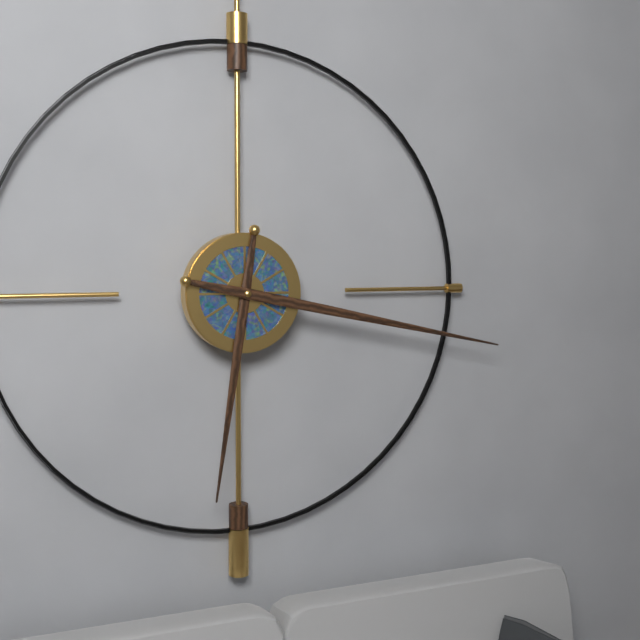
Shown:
6,17
